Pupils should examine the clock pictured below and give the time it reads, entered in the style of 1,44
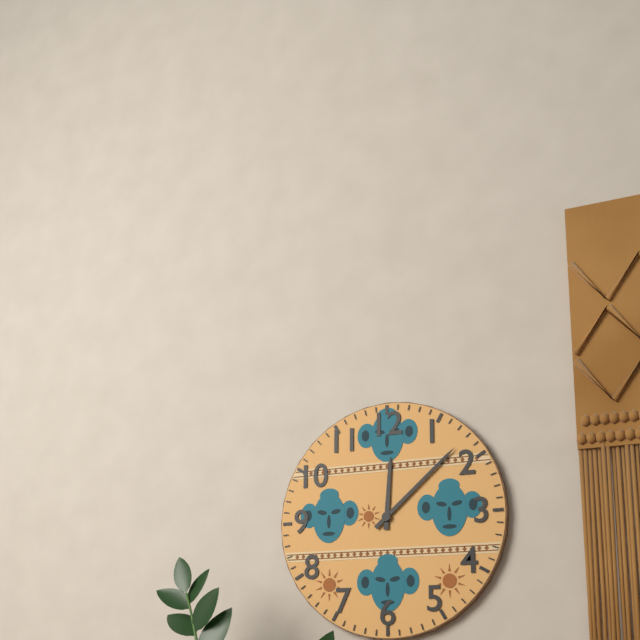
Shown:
12,08
